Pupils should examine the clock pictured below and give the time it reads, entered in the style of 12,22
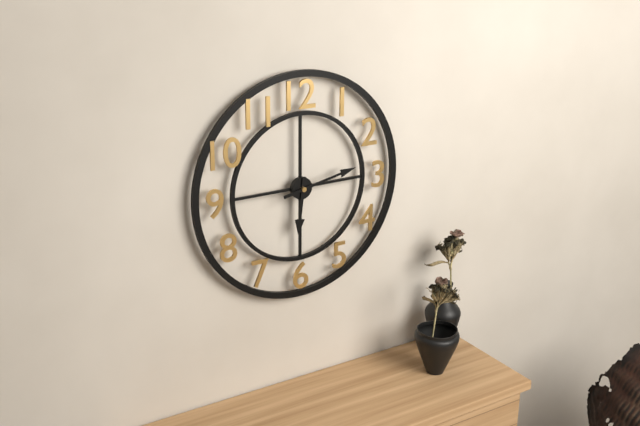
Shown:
6,13
